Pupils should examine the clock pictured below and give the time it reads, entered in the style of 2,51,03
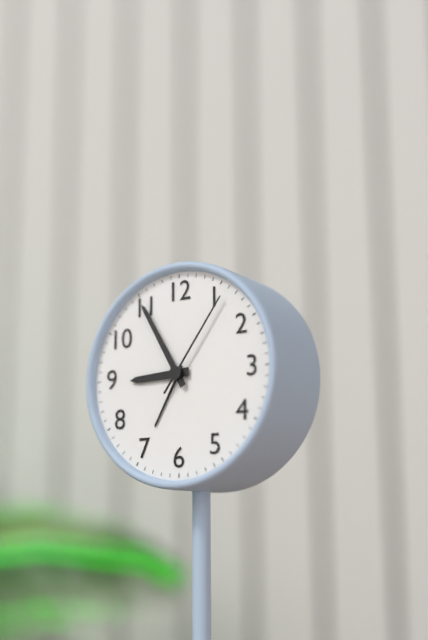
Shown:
8,55,06
